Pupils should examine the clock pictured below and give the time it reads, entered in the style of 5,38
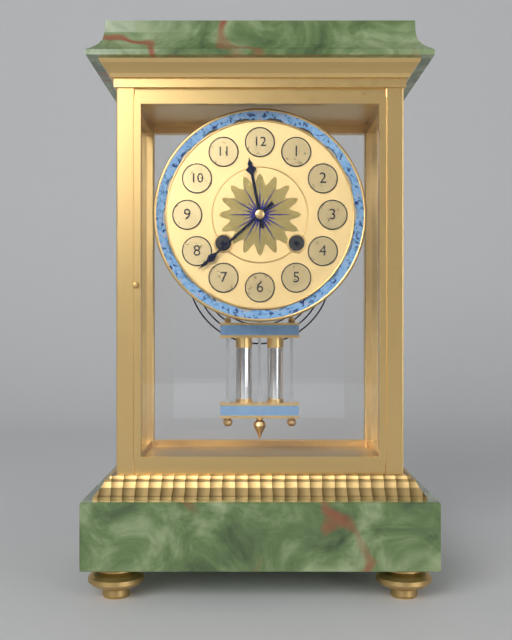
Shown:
11,38
